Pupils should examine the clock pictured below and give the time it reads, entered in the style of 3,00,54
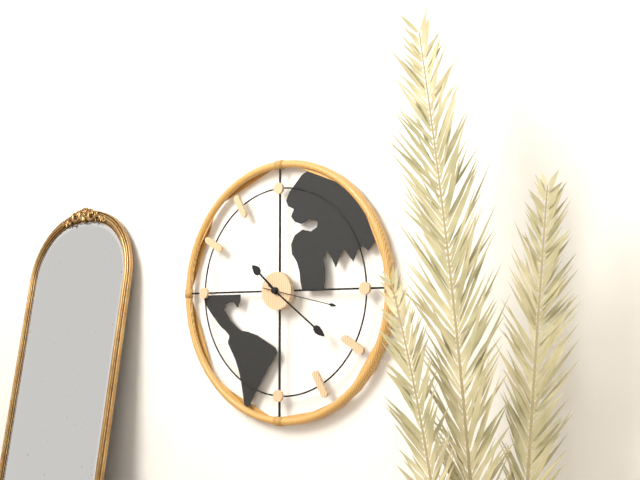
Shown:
10,21,17
